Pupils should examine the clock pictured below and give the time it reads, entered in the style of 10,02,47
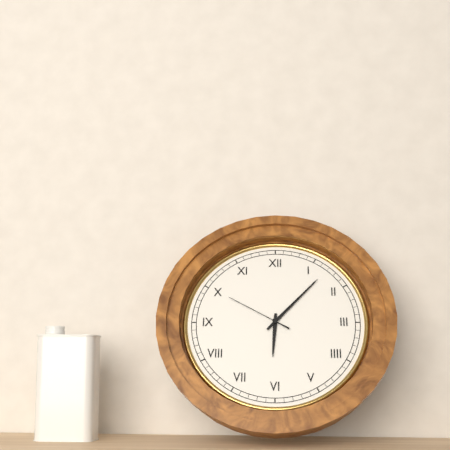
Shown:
6,07,50
